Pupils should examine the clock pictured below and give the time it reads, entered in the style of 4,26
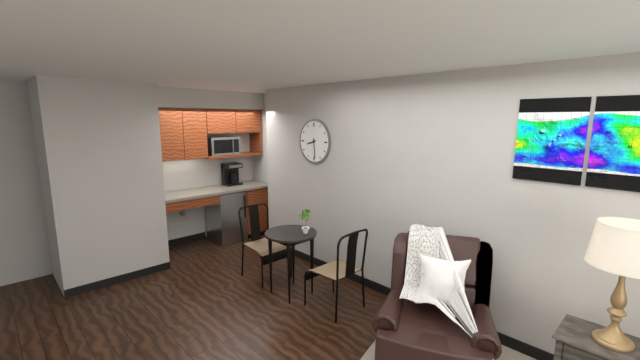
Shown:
8,29
